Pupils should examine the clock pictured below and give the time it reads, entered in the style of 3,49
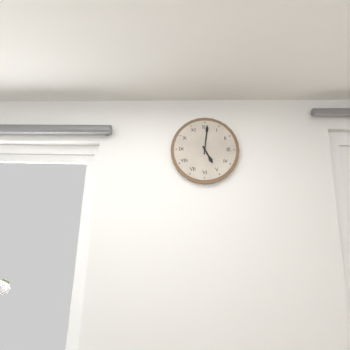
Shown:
5,01
